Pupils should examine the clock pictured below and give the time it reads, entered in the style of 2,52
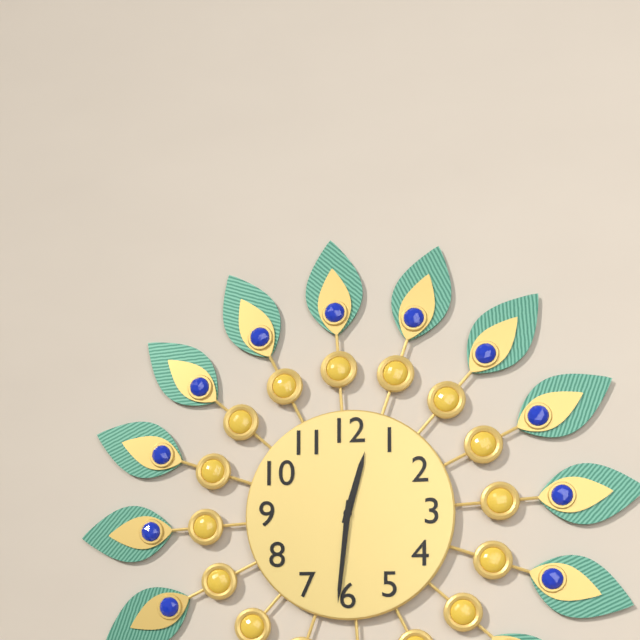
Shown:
12,31
